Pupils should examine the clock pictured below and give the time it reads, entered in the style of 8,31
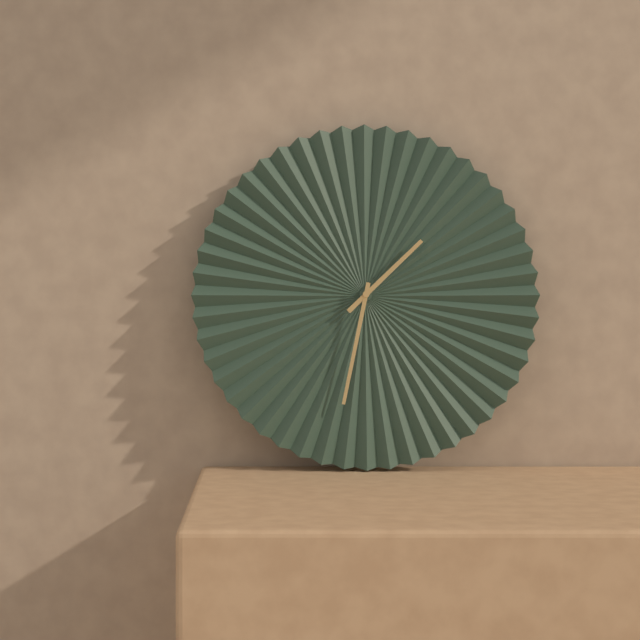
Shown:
1,32
